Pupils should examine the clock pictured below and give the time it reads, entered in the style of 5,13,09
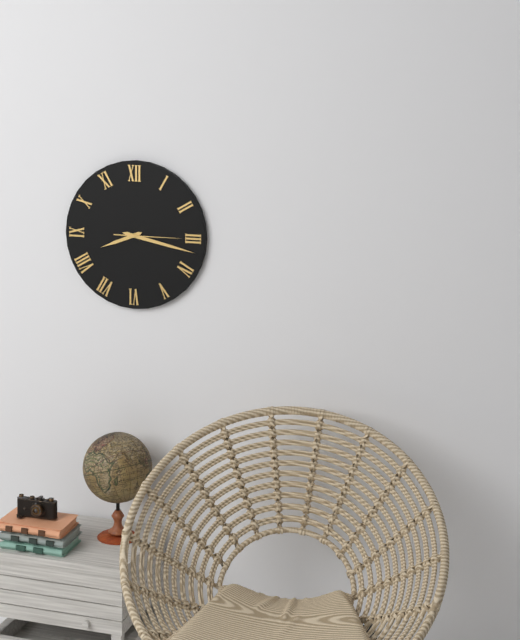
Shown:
8,17,15
